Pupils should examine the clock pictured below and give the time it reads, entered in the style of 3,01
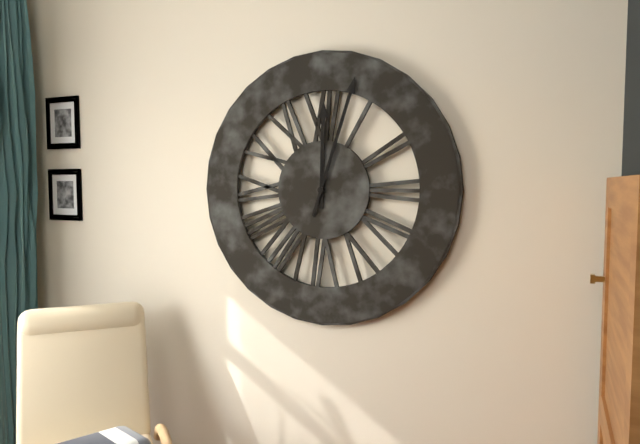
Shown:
12,03
